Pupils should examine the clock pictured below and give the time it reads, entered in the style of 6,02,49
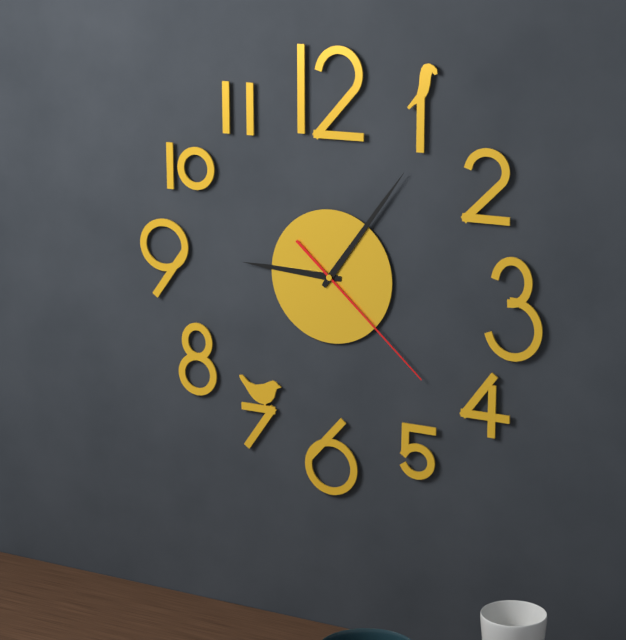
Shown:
9,06,22
